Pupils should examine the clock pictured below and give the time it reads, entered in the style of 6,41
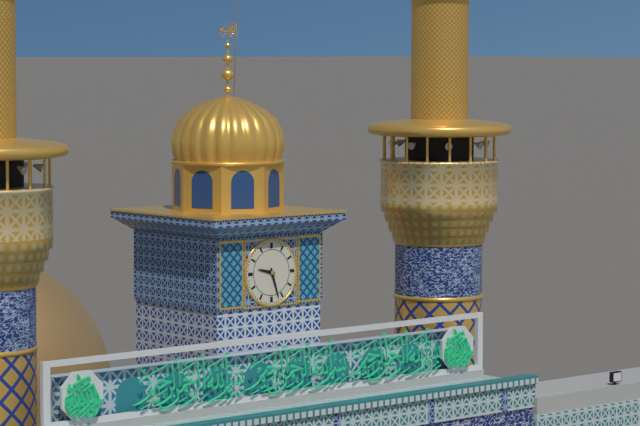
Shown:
9,27
